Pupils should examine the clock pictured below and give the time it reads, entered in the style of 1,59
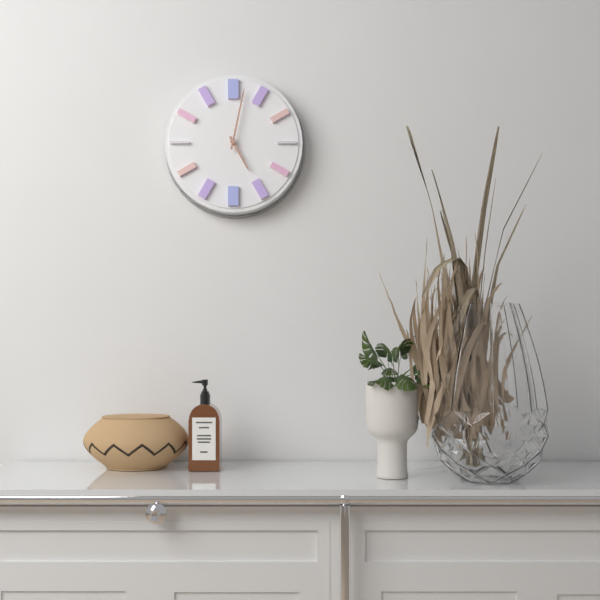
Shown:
5,02
